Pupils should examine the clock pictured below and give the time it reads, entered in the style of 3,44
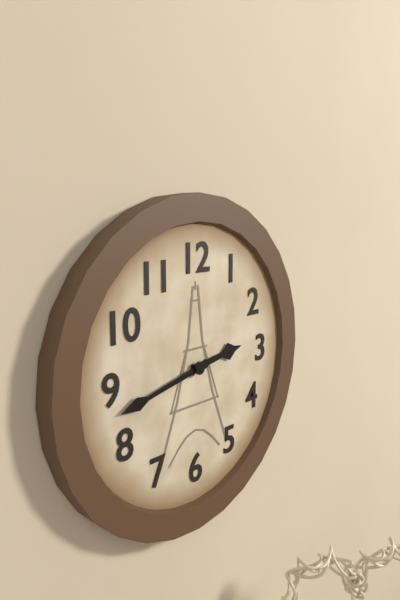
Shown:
2,43
